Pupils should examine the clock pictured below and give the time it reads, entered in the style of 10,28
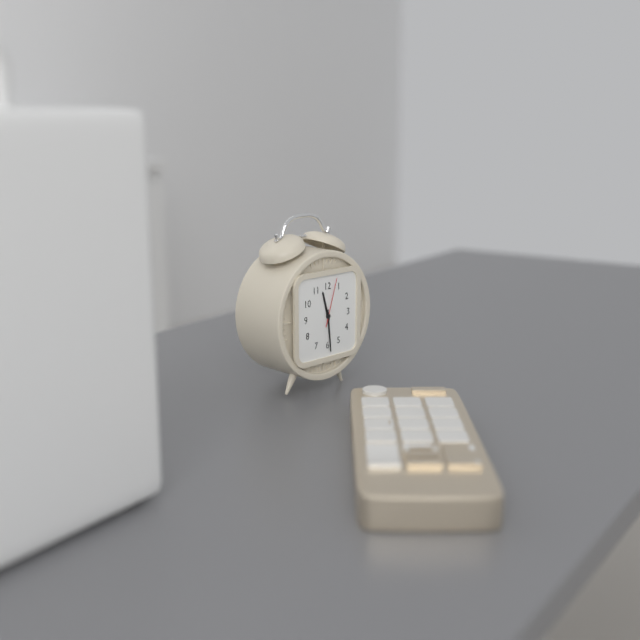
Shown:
11,29
